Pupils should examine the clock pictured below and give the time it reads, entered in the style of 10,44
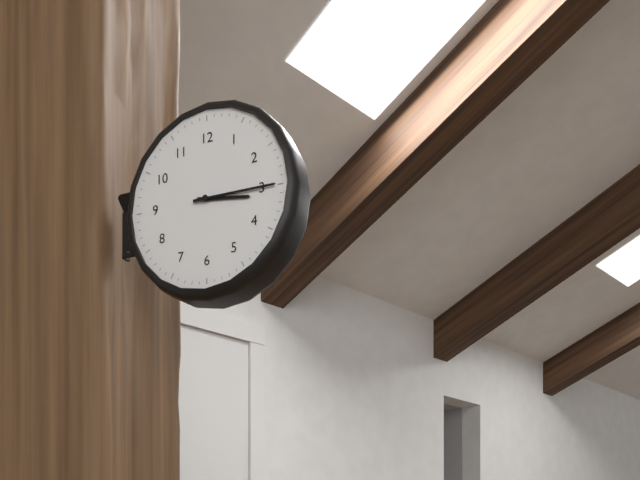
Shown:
3,15
